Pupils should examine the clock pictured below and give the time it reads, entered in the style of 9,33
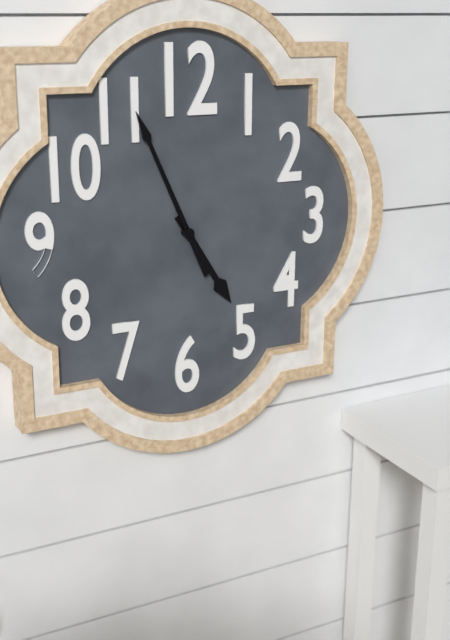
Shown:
4,56
